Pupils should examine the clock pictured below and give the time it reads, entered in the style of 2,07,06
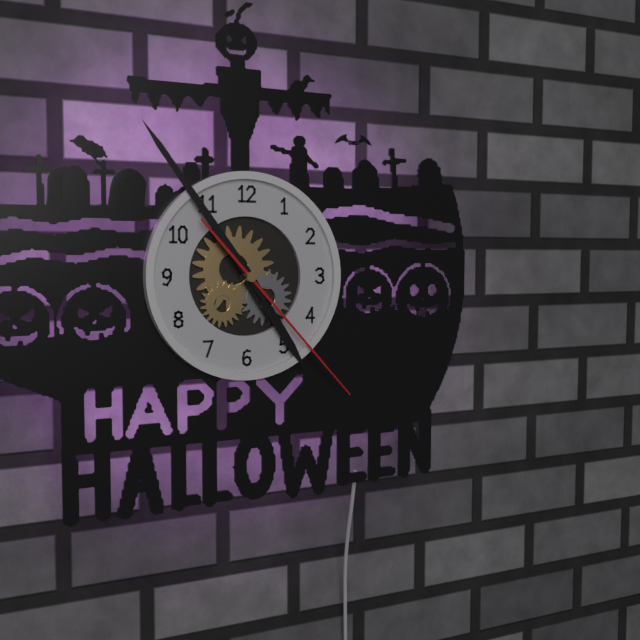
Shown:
4,54,23
